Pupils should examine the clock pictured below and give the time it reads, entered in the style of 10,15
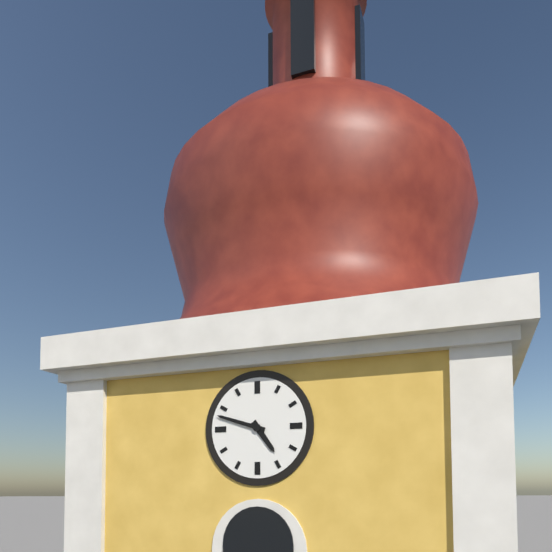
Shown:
4,48
